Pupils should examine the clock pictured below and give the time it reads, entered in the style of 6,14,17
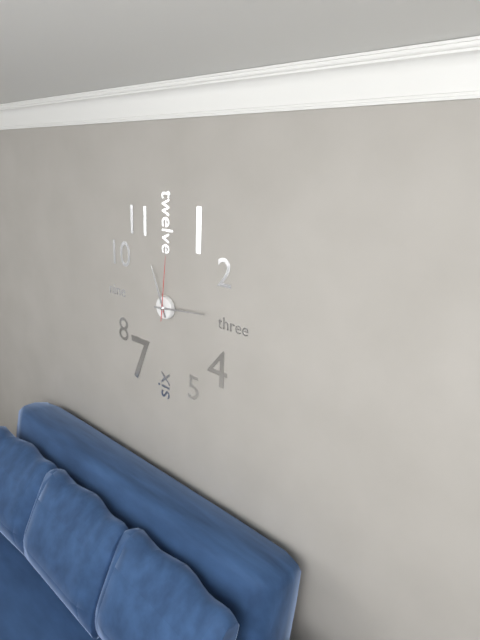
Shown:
11,14,01
